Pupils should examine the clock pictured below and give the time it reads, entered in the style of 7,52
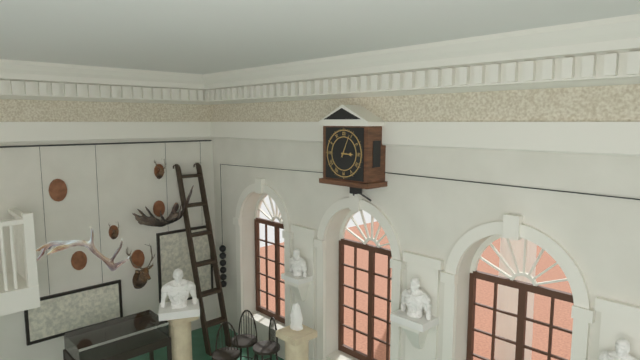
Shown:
3,04
